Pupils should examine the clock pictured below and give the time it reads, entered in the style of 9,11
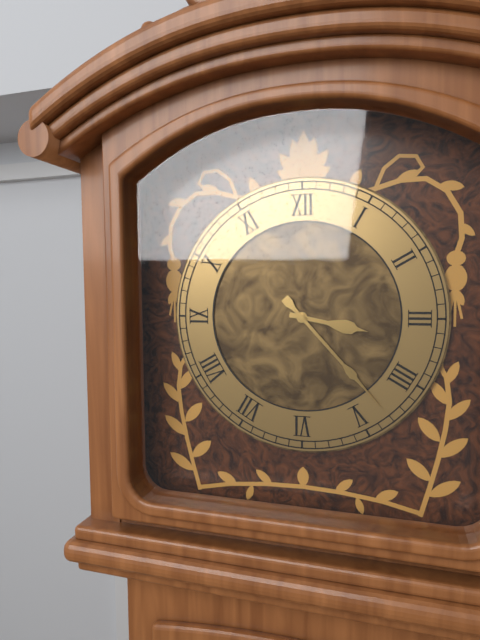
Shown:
3,23
